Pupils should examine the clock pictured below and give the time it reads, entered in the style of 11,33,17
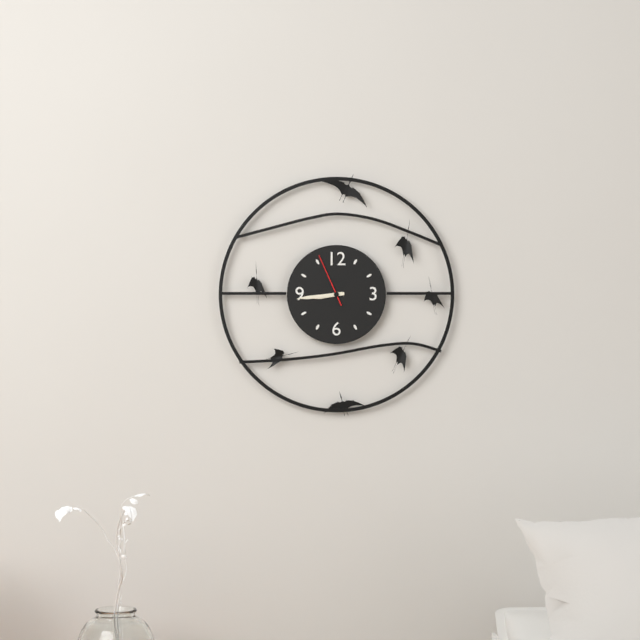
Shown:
8,44,56
